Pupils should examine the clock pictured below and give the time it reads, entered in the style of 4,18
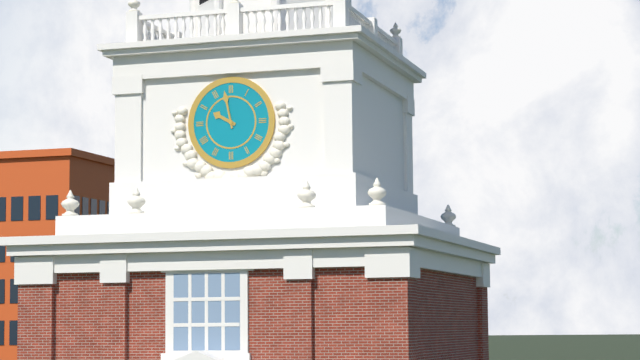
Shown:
9,58
